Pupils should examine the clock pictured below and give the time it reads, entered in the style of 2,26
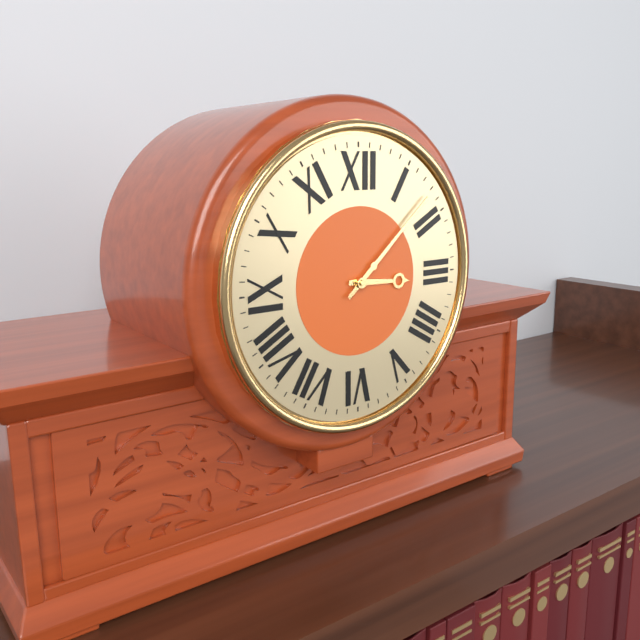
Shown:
3,08
